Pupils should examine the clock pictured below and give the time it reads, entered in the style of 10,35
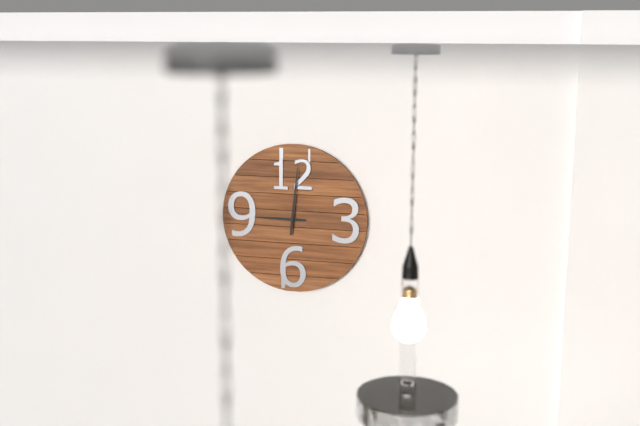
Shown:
9,01
